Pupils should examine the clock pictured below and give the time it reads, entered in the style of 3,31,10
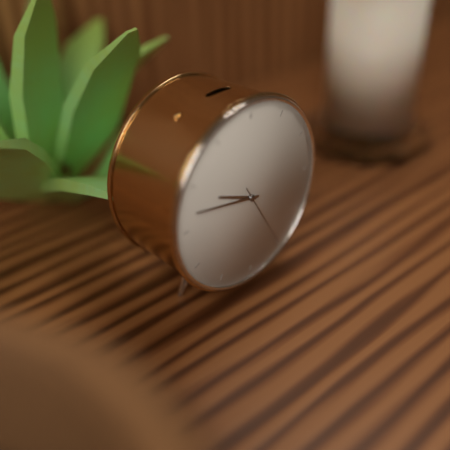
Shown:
9,47,25
